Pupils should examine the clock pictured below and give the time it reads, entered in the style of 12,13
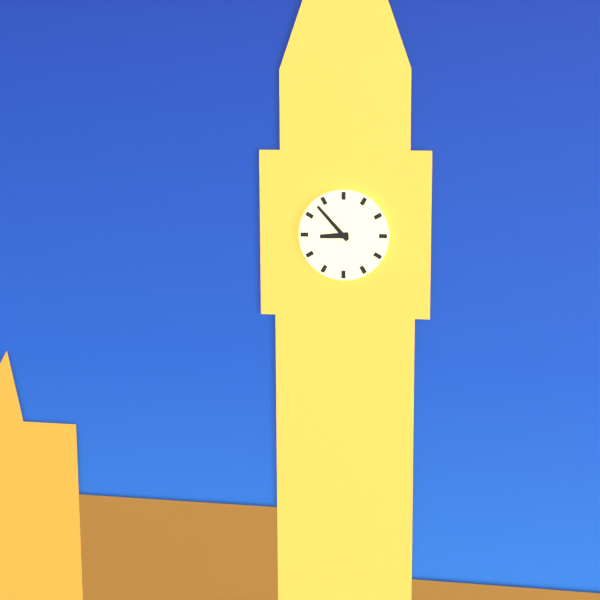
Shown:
8,53
